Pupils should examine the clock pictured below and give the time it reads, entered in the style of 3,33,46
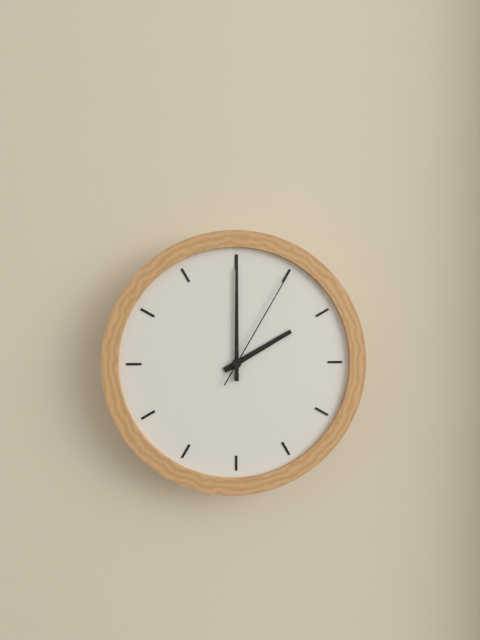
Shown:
2,00,05
